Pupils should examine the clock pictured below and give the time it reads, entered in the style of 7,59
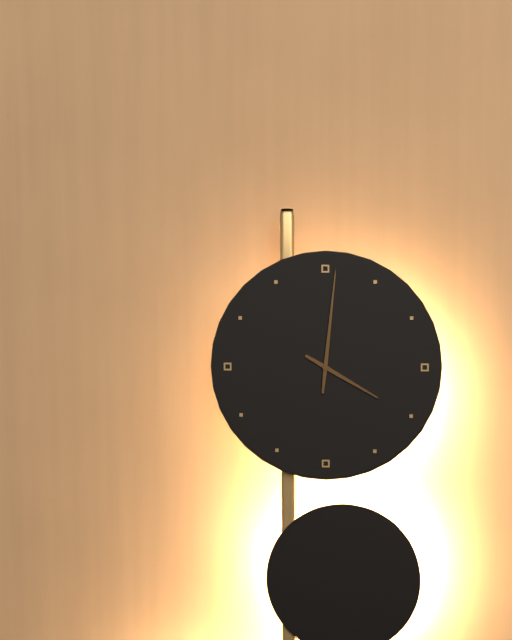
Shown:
4,01
